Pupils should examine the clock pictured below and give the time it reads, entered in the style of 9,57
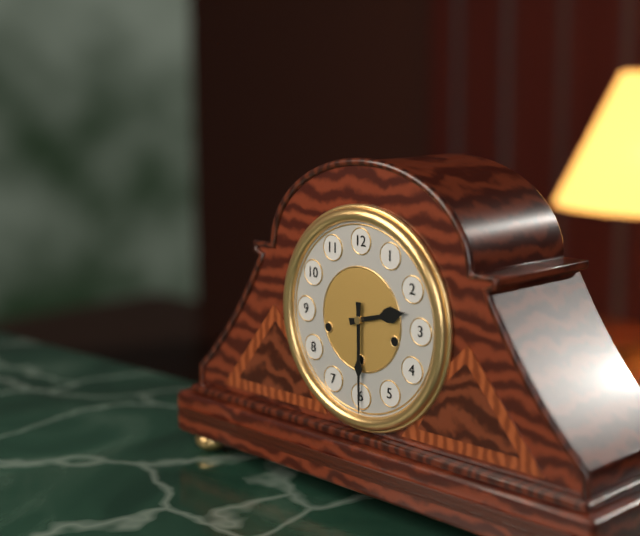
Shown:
2,30
